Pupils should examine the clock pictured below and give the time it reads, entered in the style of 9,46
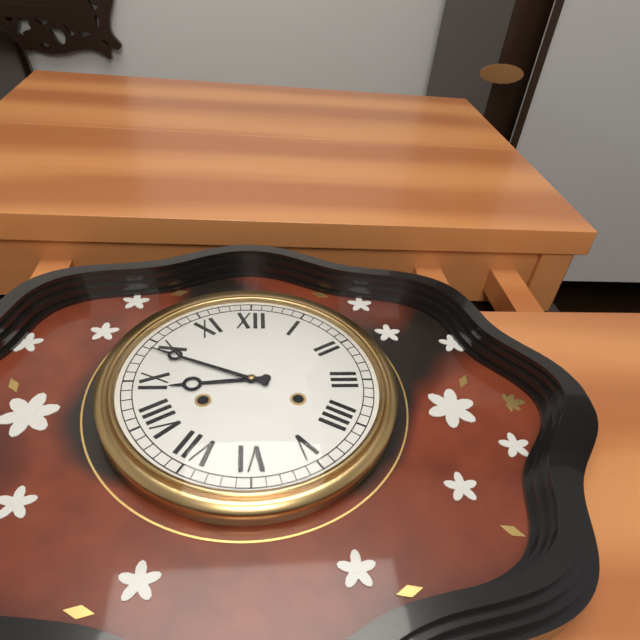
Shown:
8,49
